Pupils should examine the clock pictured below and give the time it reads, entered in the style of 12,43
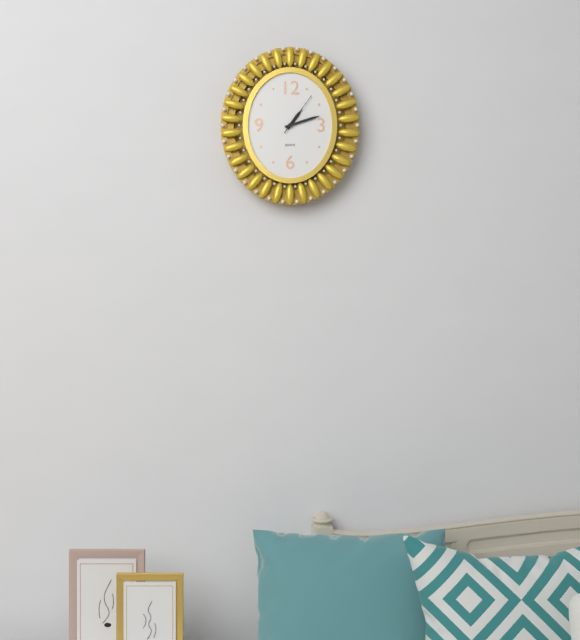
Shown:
1,12
